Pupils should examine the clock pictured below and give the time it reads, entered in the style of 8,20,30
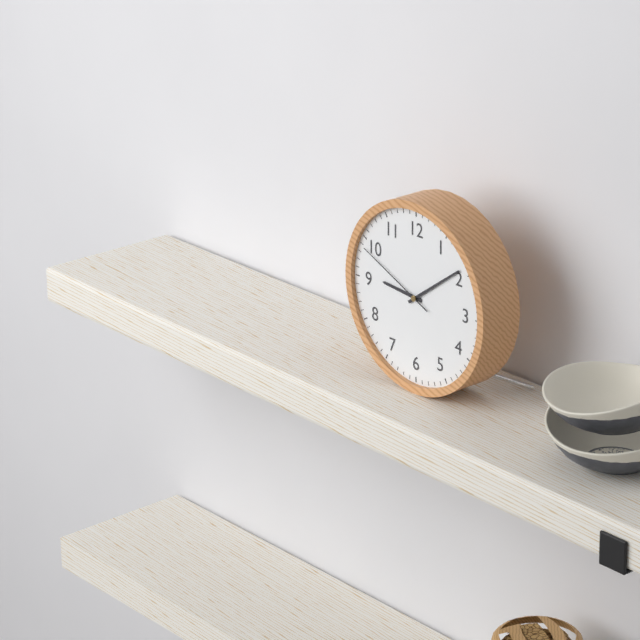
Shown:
9,09,49
